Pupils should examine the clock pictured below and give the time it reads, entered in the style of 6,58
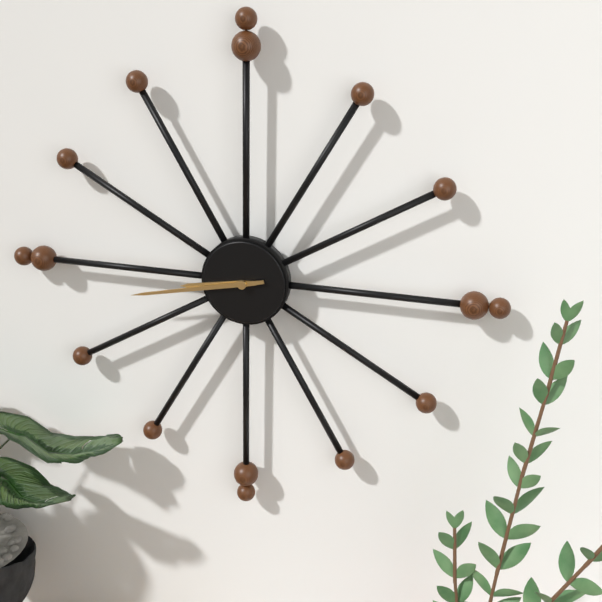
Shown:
8,43
